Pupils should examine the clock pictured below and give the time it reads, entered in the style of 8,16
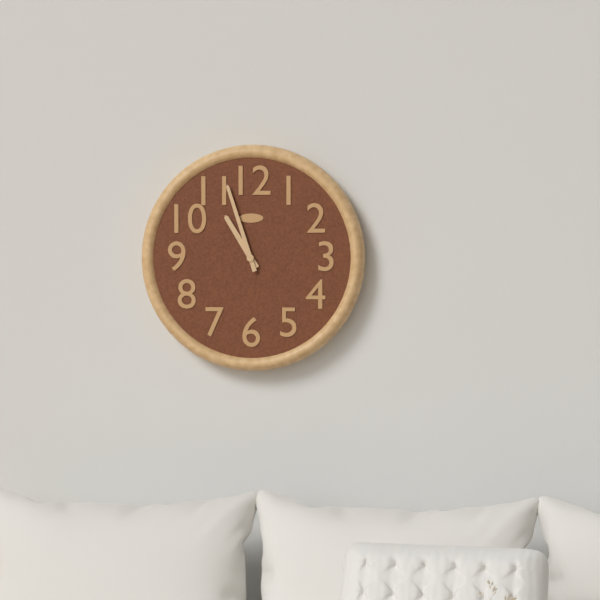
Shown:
10,57
